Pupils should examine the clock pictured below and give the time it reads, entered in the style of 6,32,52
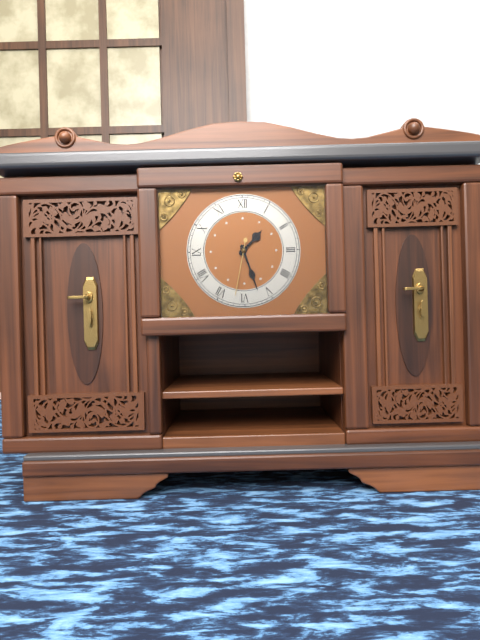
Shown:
1,27,32
